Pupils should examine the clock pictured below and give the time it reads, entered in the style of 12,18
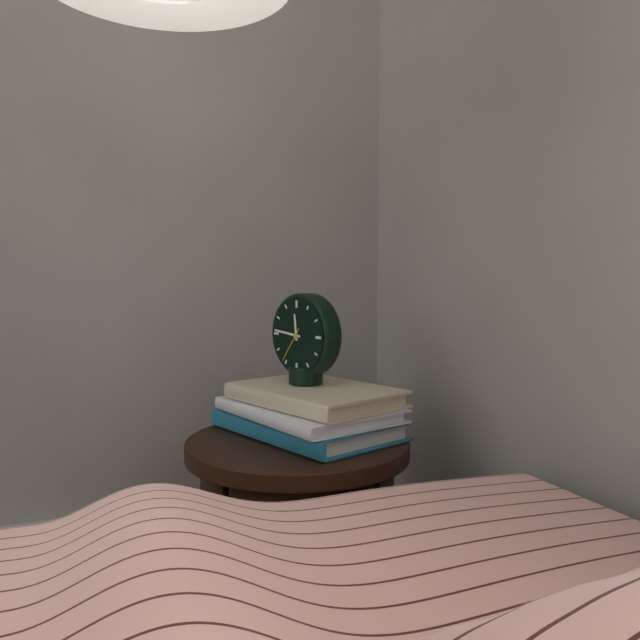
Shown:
11,46
